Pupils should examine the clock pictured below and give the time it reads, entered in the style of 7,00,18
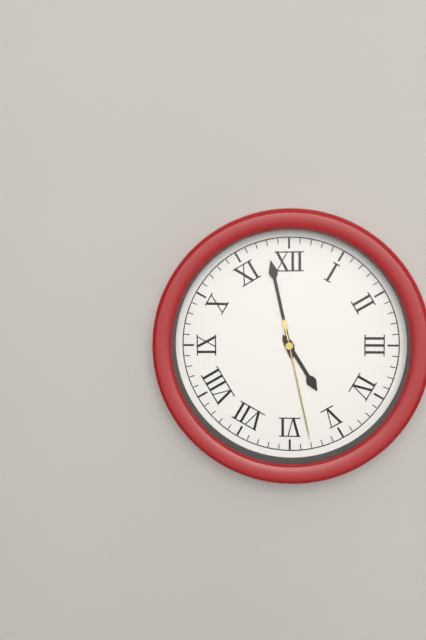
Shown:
4,58,28
